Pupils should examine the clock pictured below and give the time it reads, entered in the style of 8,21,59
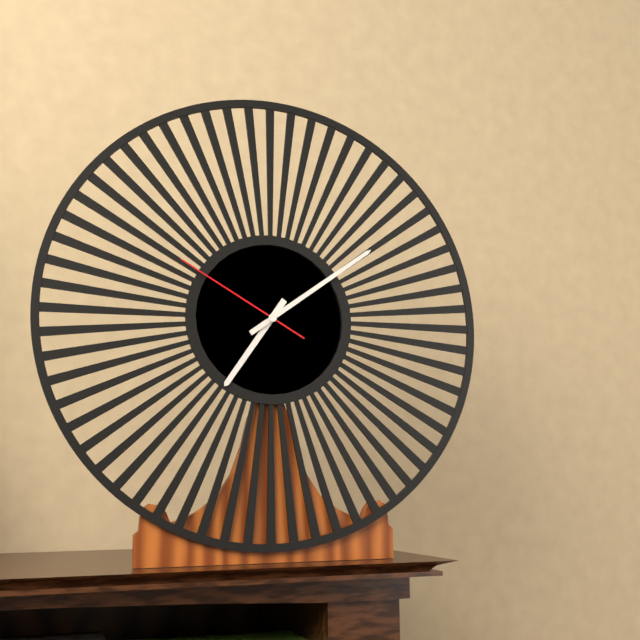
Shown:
7,09,50
